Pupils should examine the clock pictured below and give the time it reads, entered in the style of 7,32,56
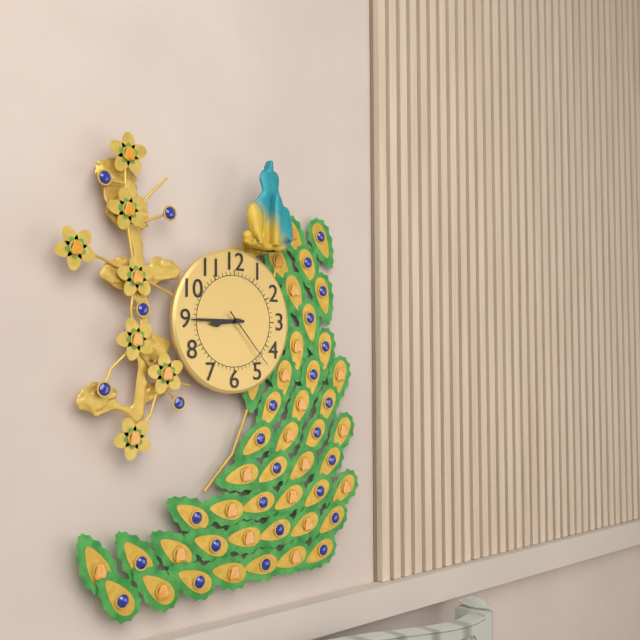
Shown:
8,45,23
